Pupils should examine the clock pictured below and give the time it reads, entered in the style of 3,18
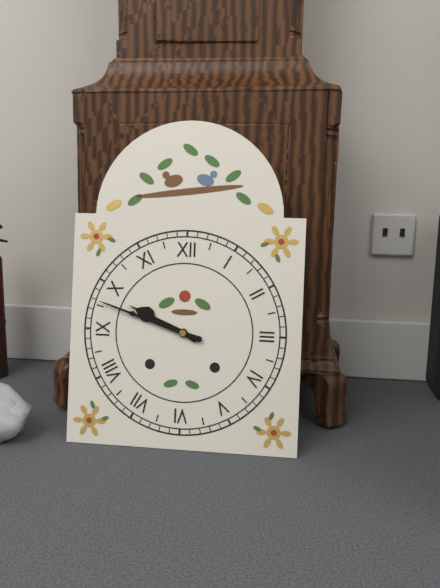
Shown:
9,48
